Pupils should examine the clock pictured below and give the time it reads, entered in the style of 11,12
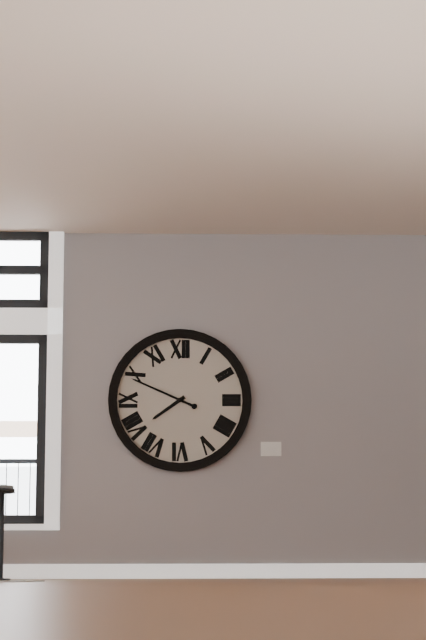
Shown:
7,49
